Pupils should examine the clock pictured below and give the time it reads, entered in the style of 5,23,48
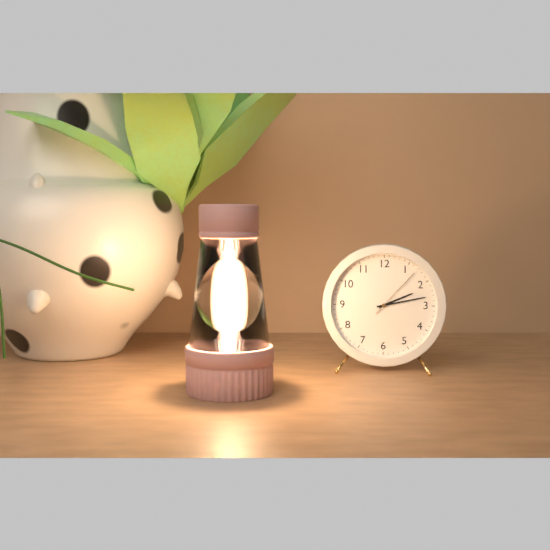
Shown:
2,13,07
